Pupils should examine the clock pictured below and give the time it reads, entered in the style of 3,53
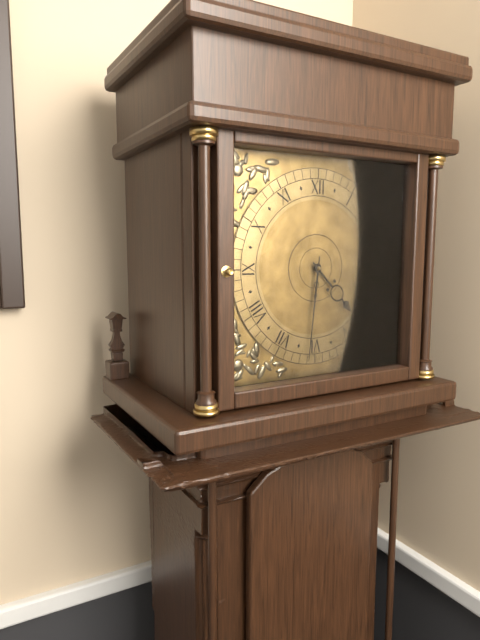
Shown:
4,31
